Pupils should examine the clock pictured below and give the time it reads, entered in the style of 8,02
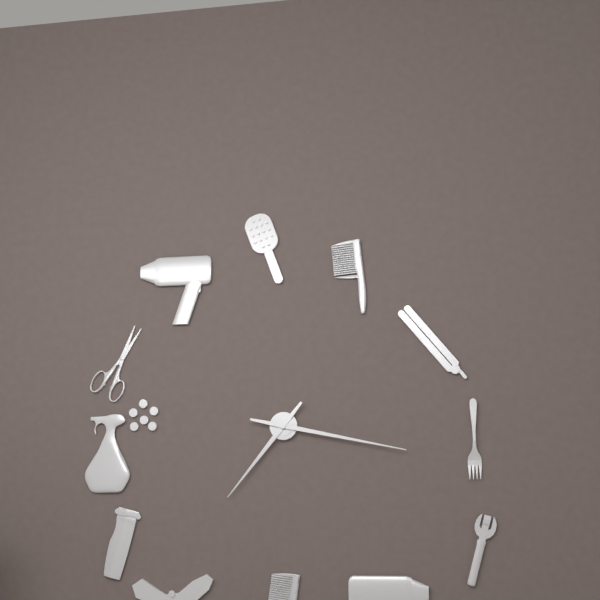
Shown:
7,17
